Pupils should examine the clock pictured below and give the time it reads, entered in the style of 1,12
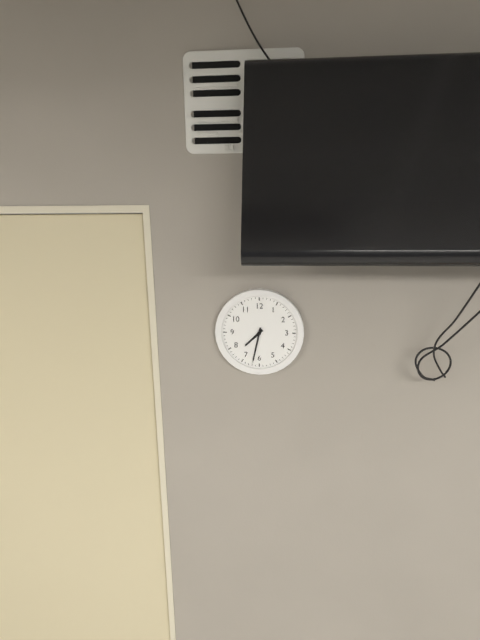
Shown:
7,32
